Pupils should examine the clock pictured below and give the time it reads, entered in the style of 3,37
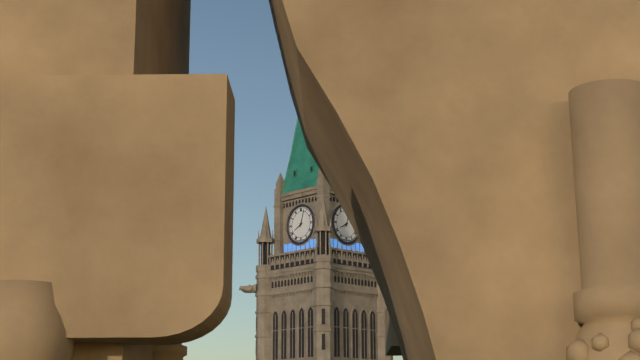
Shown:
8,03
